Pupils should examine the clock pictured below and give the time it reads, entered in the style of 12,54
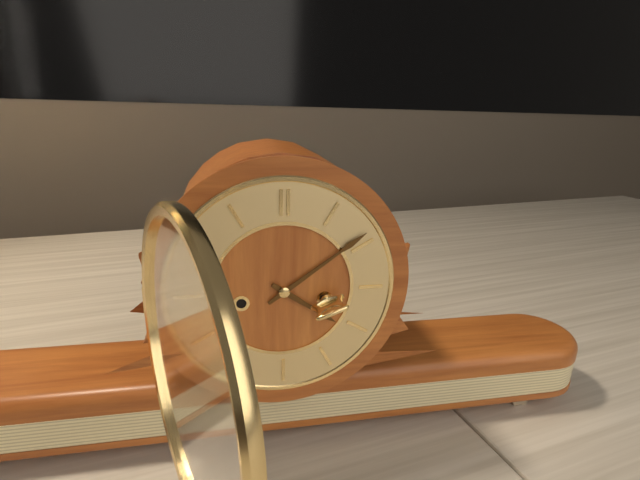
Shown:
4,09
